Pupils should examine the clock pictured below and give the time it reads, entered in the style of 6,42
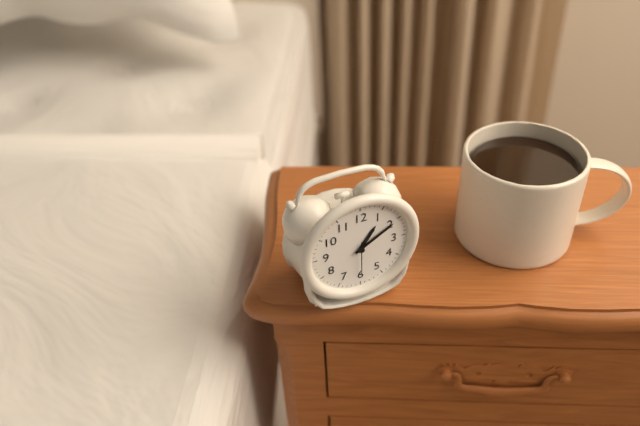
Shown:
1,10
